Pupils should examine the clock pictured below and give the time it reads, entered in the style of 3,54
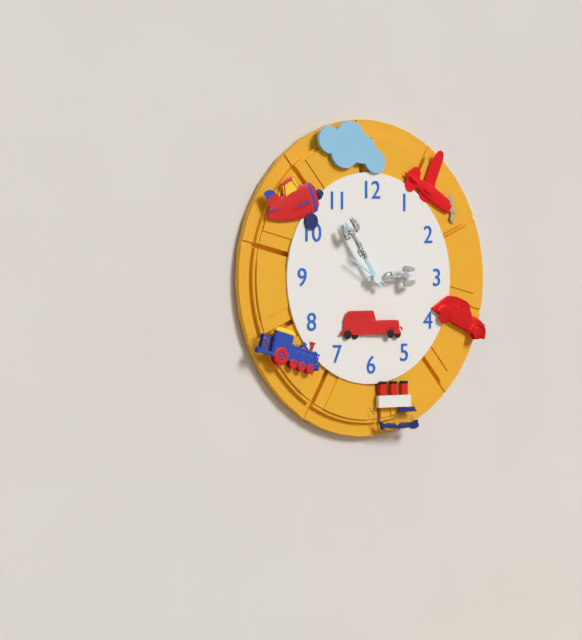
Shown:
2,54
